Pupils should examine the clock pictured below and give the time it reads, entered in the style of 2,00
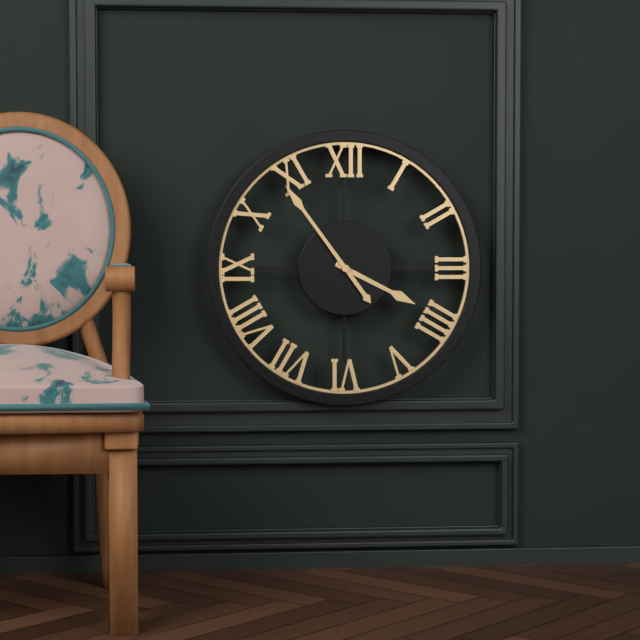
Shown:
3,54
